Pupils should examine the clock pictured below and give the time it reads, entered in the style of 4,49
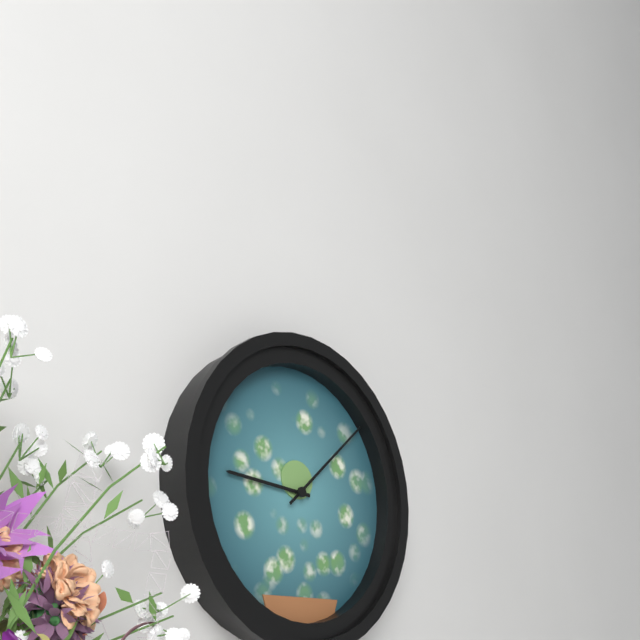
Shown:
9,08
